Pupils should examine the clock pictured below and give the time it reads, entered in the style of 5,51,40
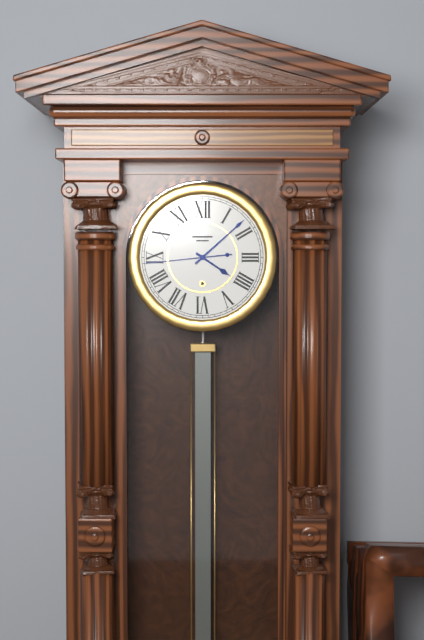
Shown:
4,08,44
